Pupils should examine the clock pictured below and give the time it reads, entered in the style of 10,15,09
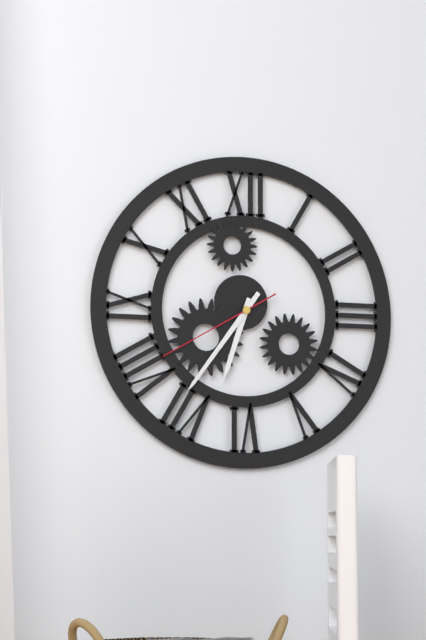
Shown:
6,36,40
